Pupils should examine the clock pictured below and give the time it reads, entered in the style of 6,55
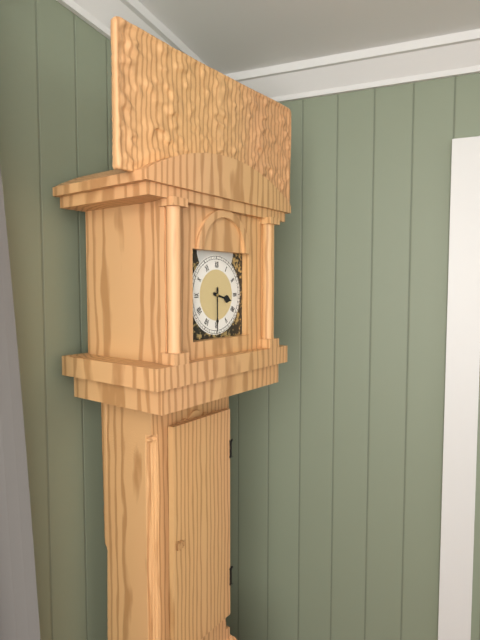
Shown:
3,30
